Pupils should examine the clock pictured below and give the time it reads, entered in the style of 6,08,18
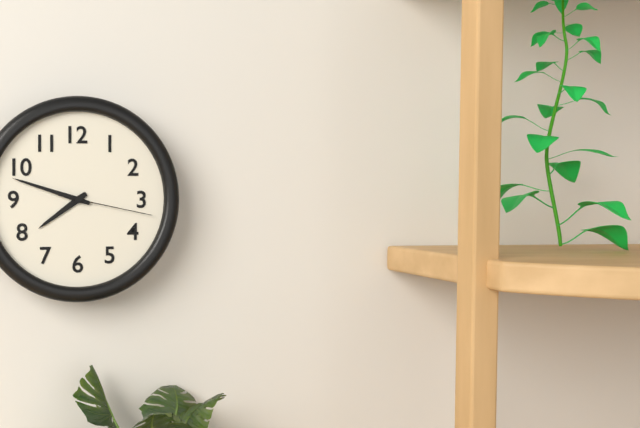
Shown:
7,48,17
